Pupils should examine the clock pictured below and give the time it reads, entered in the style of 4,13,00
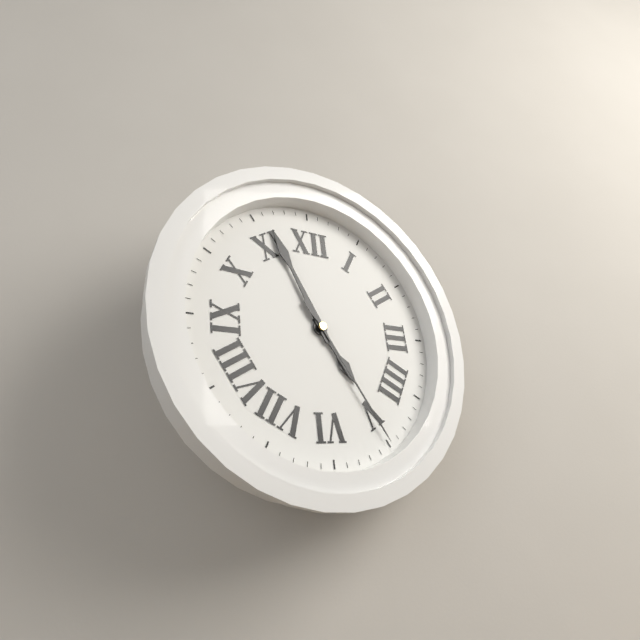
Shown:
4,56,25
